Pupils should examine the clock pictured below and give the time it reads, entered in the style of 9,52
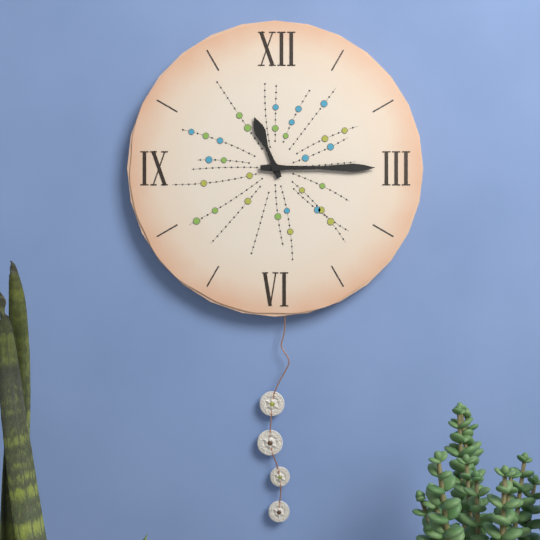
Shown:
11,15
